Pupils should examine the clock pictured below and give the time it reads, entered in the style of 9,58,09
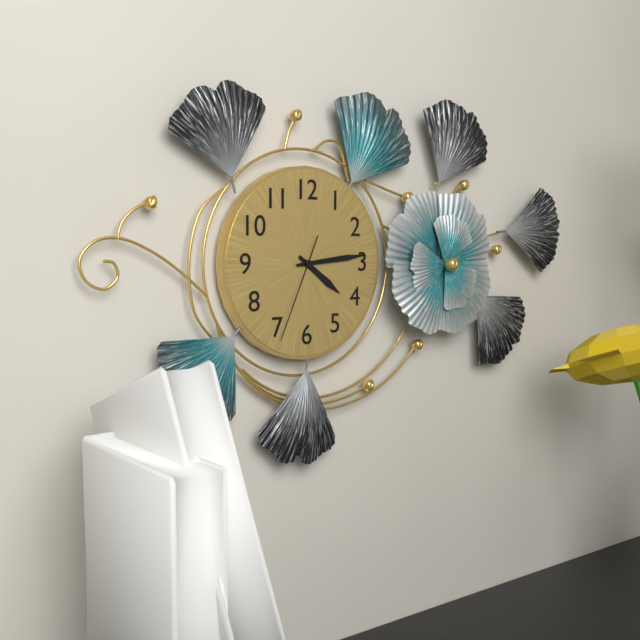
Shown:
4,14,34
